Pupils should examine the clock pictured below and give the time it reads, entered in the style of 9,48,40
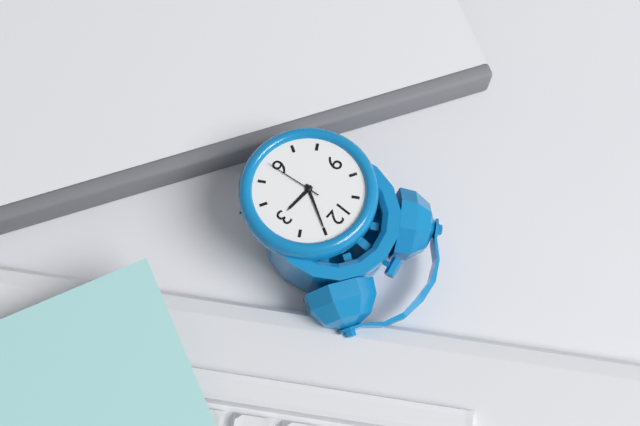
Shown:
3,05,29
